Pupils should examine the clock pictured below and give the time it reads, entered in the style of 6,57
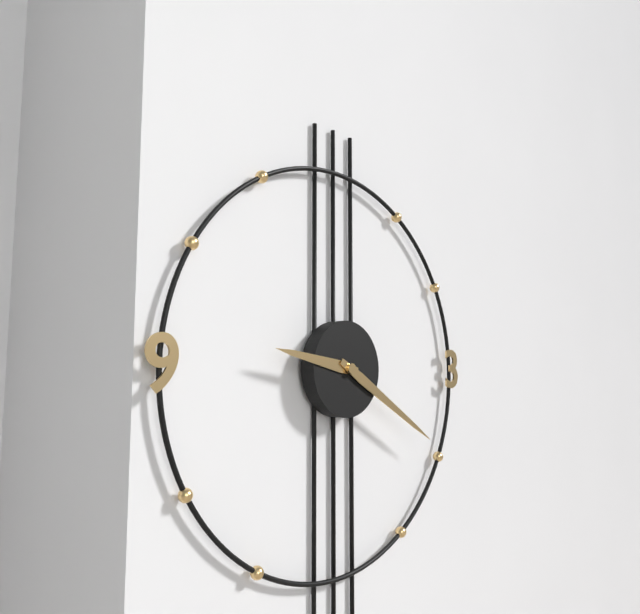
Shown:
9,20
